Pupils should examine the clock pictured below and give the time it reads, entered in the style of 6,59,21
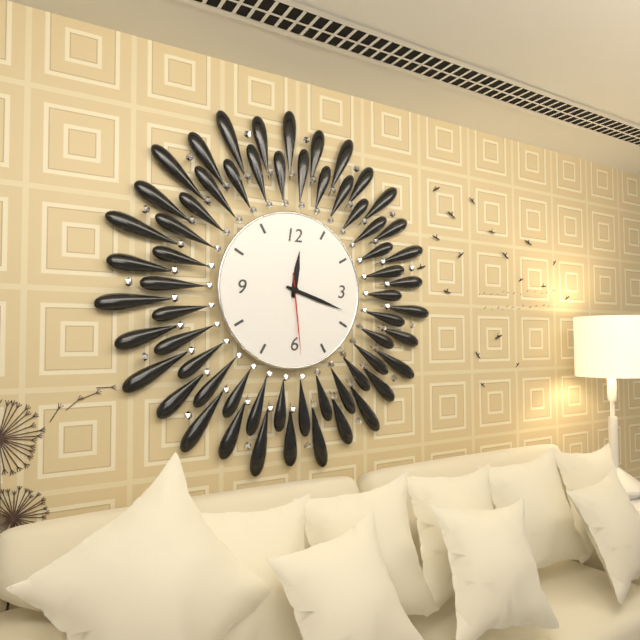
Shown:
12,18,29
